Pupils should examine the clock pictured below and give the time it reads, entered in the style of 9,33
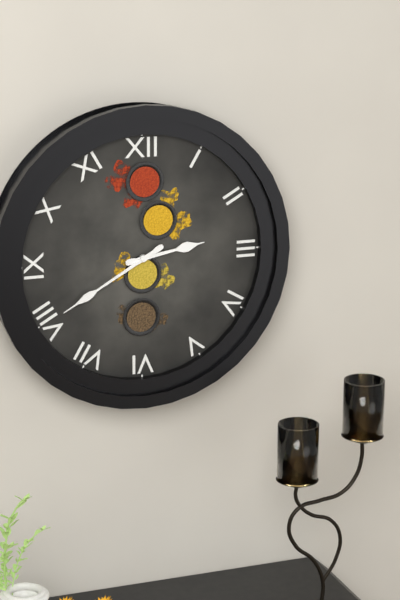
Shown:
2,40
